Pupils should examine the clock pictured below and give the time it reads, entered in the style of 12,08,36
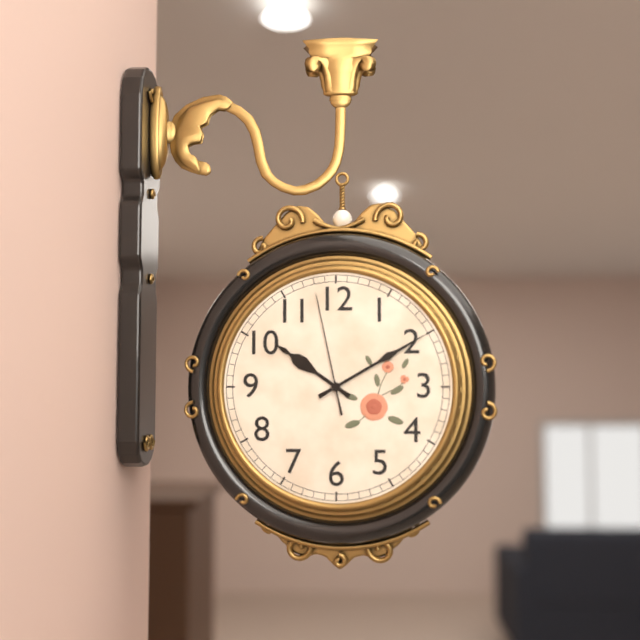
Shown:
10,10,58
